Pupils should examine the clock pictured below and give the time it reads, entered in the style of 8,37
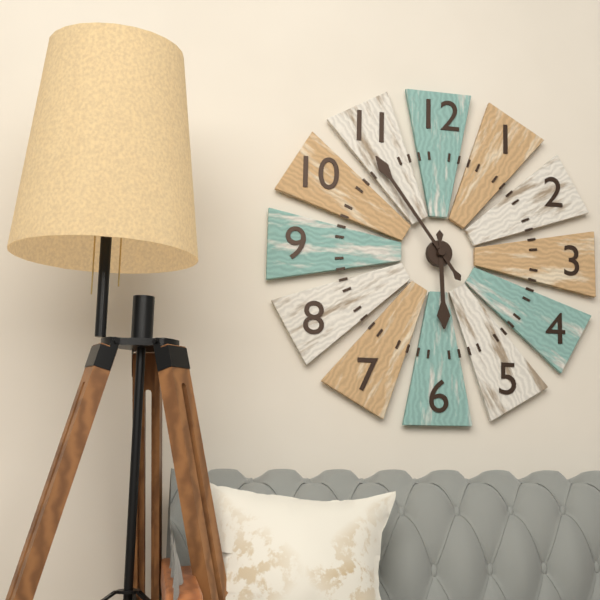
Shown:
5,54
